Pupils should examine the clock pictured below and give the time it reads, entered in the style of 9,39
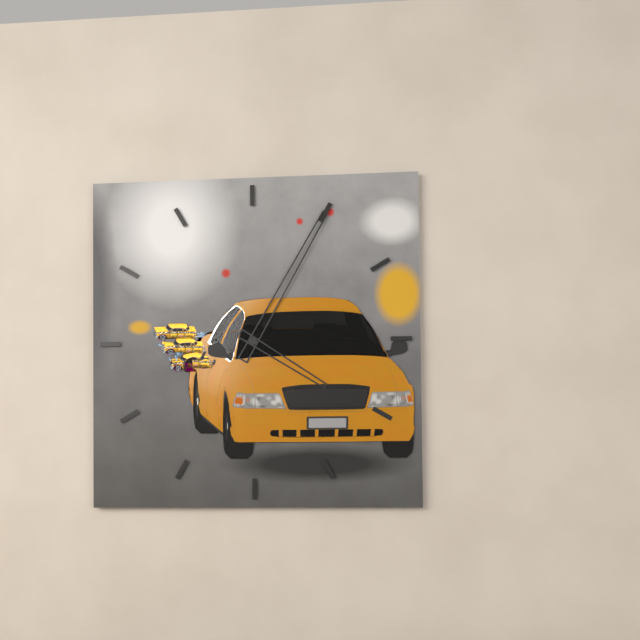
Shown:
4,05
